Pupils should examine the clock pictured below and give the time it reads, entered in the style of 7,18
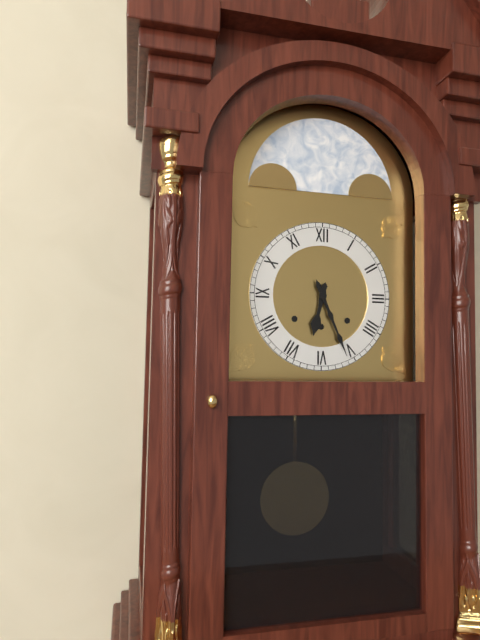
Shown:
6,26
